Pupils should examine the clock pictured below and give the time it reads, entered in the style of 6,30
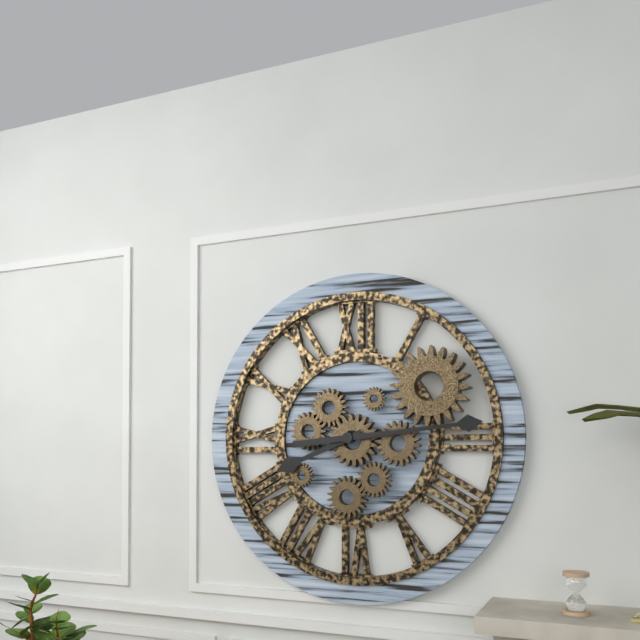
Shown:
8,14
